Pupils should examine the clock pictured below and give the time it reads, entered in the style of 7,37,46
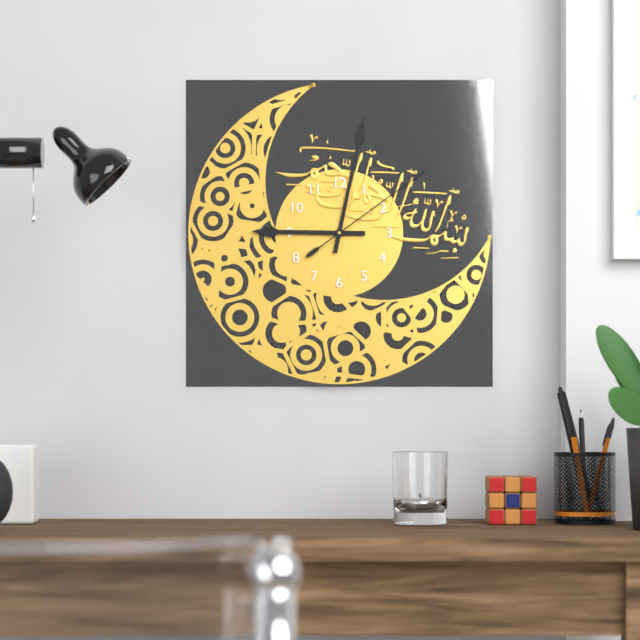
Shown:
9,02,09
